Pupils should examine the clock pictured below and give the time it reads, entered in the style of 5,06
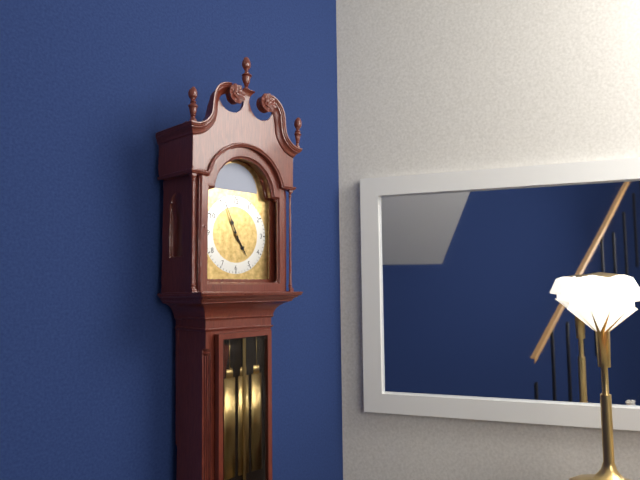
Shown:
4,56
